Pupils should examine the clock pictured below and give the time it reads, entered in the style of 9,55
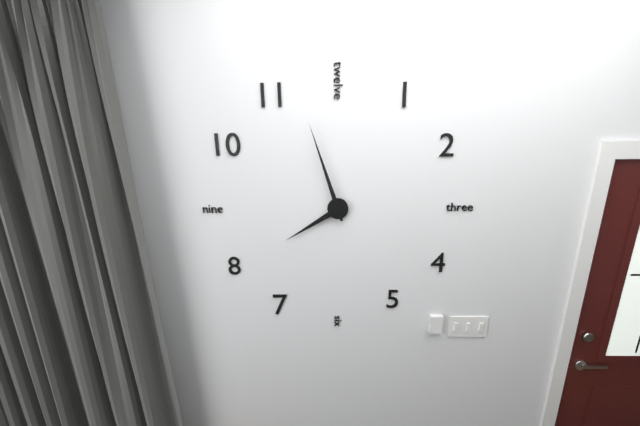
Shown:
7,57
